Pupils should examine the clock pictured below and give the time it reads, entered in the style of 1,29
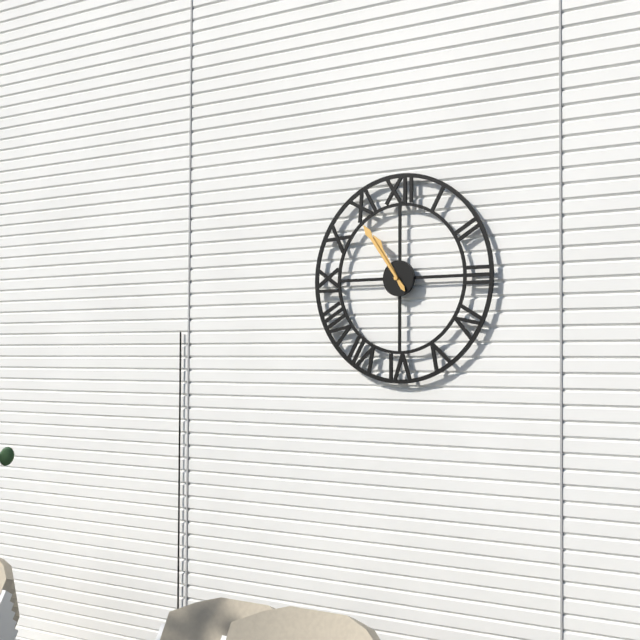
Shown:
10,54
